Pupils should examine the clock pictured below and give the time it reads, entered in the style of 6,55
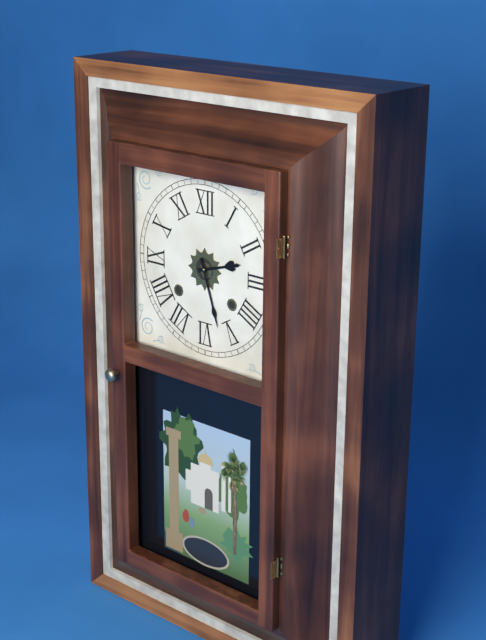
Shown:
2,27
